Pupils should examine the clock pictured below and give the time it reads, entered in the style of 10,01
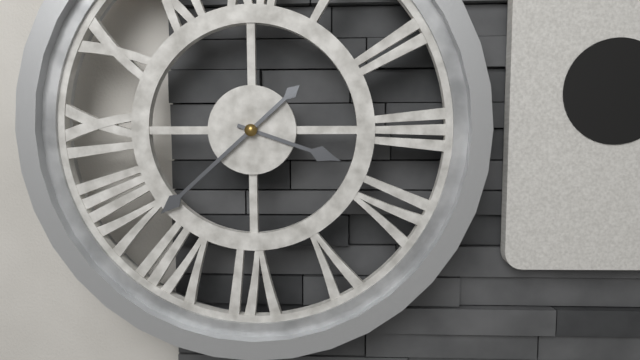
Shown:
3,38
